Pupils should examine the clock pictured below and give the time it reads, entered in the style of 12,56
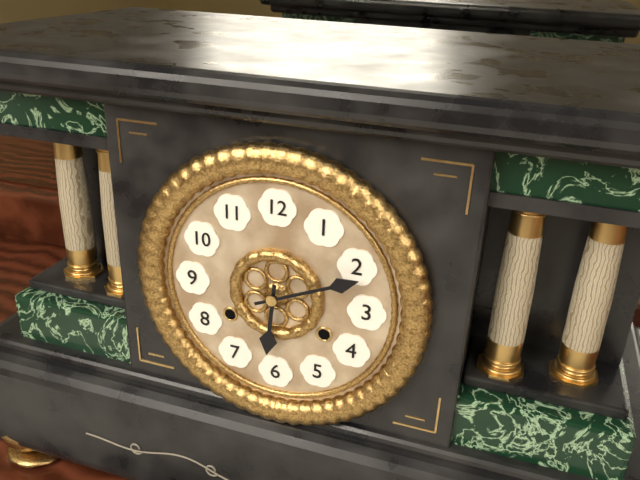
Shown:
6,11
